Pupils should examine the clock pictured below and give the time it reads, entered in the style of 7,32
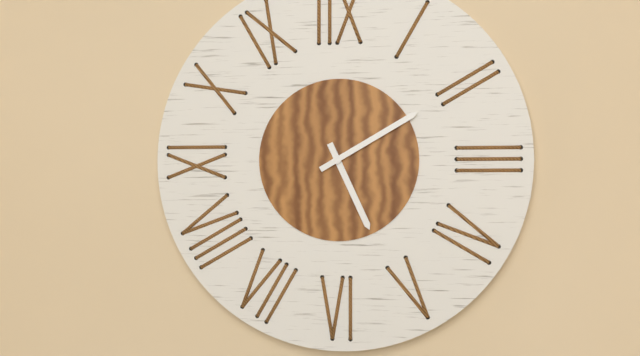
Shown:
5,10
